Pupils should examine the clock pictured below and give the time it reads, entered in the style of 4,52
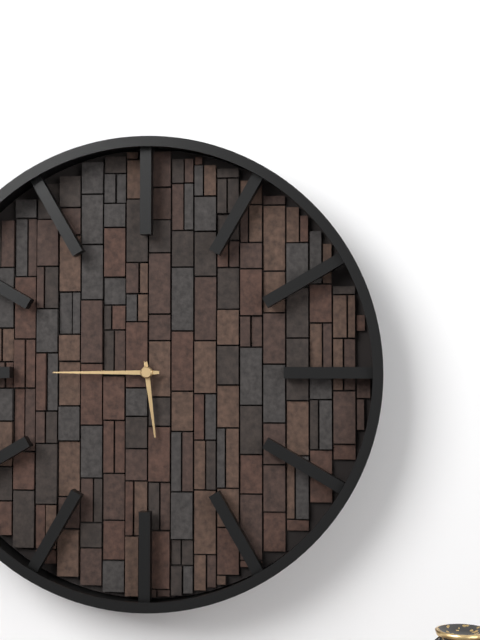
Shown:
5,45
